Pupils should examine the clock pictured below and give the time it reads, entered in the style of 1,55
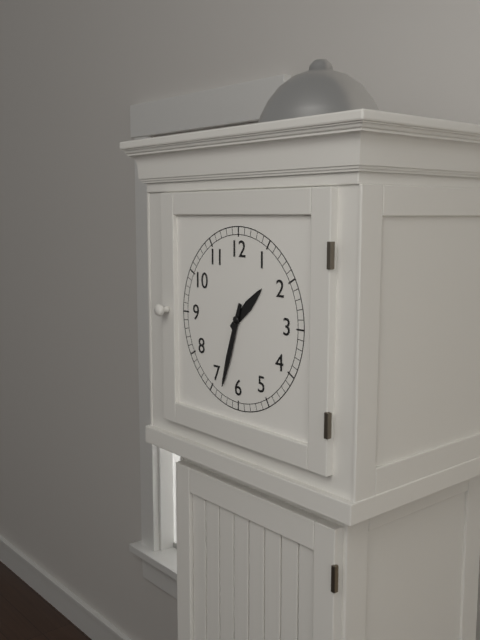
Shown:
1,33
